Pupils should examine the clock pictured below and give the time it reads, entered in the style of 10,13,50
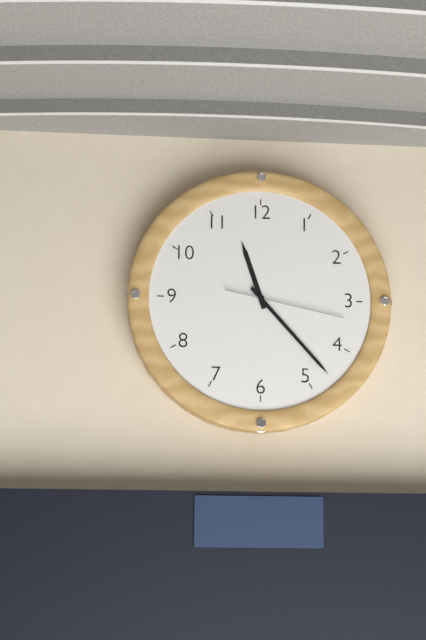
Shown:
11,23,17
